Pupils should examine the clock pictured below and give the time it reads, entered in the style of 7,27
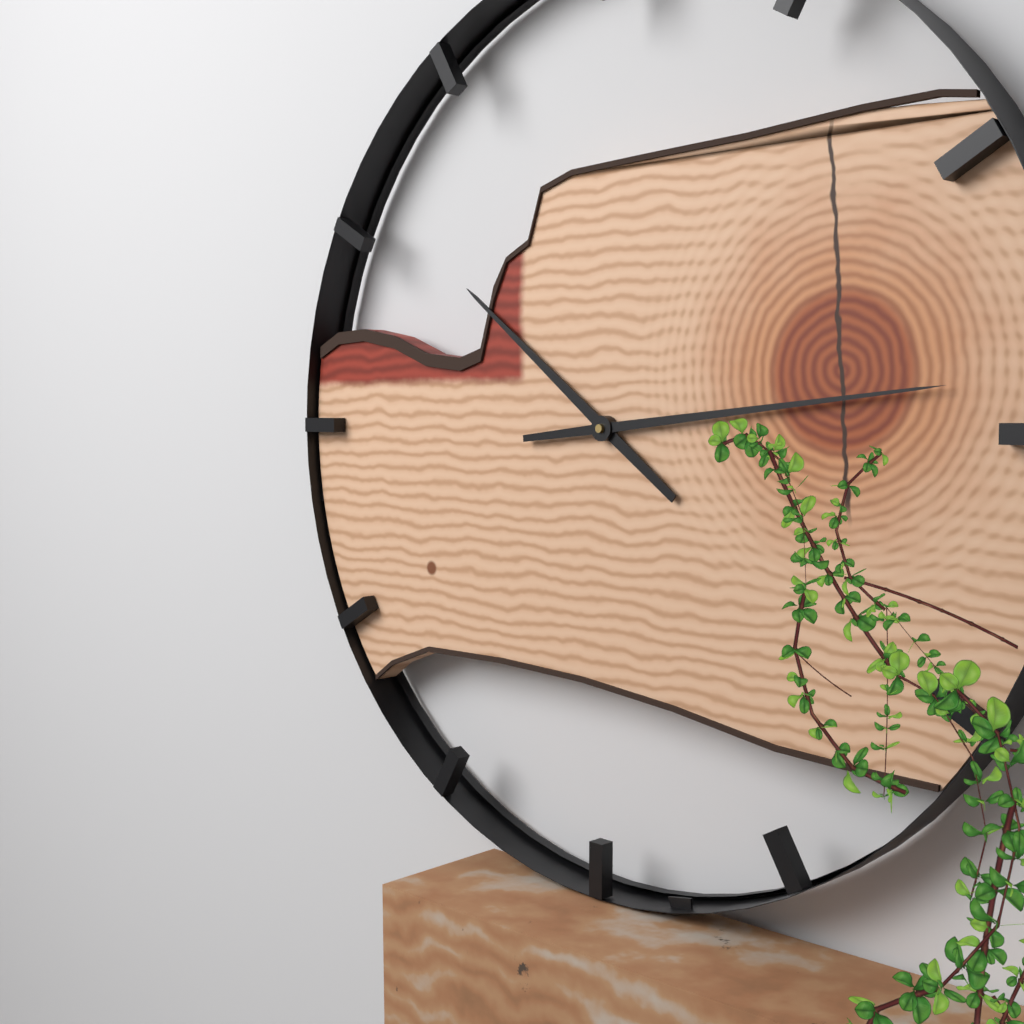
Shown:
10,14
